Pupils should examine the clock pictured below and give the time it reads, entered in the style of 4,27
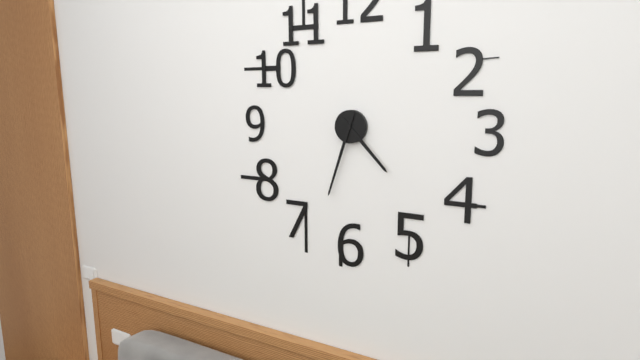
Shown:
4,33
